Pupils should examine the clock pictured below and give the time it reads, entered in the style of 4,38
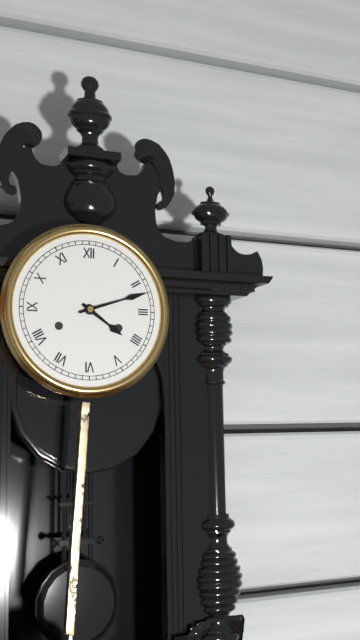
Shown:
4,12
